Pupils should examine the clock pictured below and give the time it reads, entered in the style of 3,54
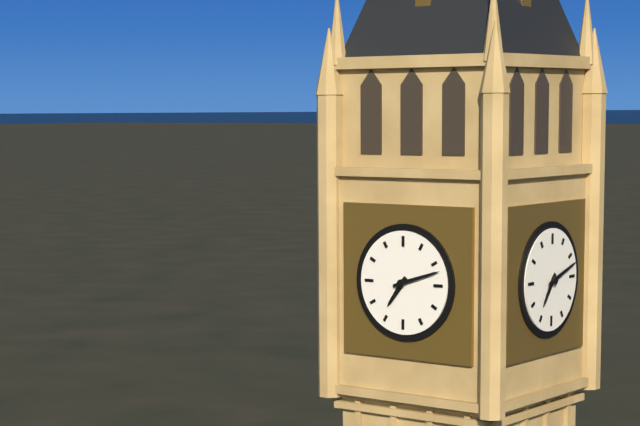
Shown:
7,12
